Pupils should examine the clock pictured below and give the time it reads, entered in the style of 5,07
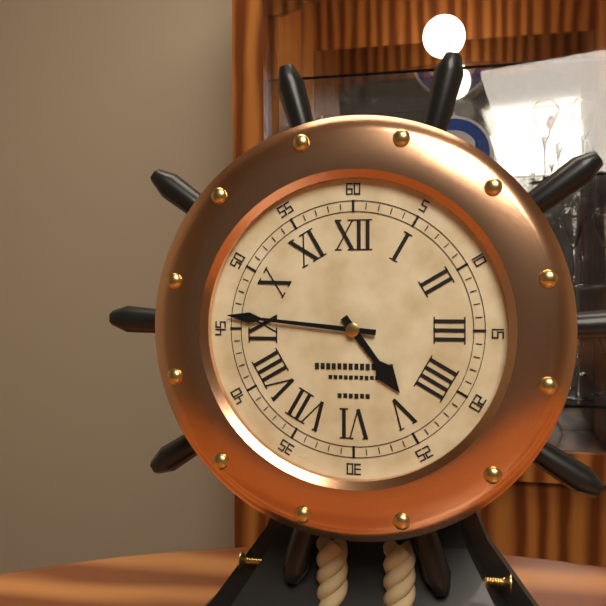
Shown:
4,46
